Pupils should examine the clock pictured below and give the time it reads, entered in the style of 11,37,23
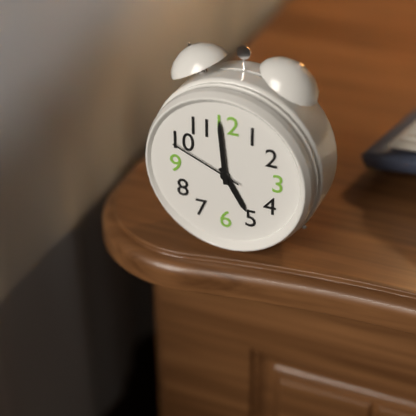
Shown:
4,59,49
